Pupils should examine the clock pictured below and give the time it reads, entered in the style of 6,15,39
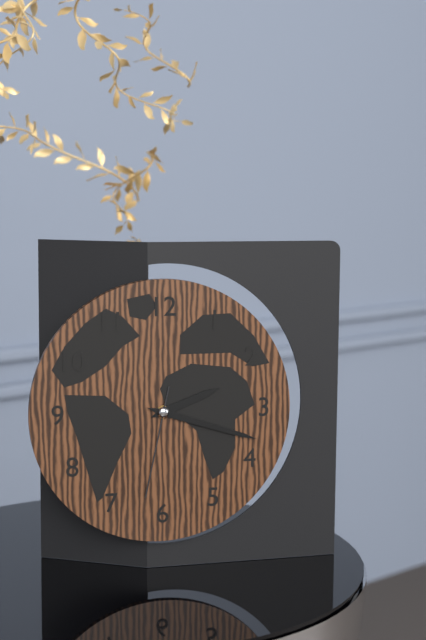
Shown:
2,18,32
